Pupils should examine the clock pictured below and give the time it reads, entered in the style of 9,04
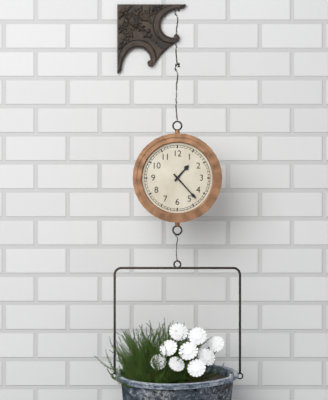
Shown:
1,23
